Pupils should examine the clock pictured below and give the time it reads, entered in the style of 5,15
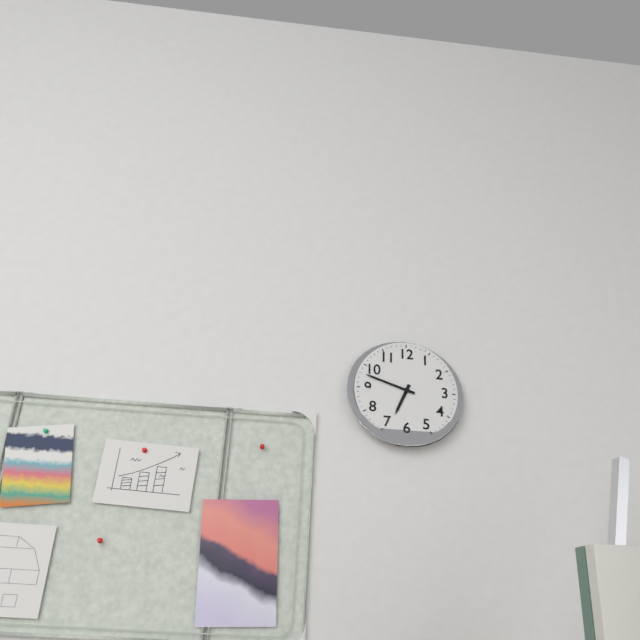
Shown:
6,48
